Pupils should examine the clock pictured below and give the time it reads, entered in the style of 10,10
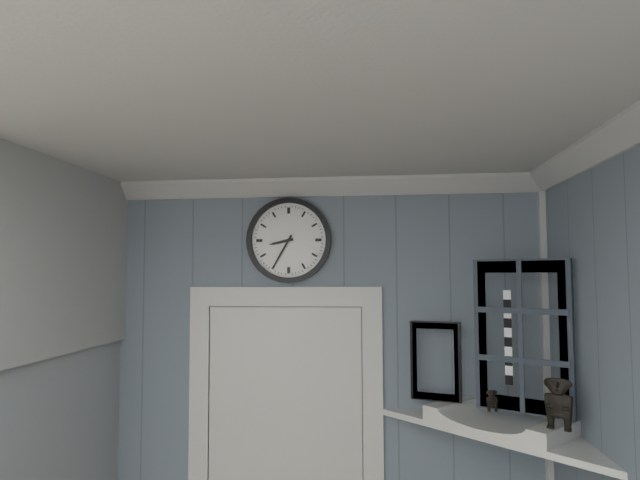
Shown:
8,35
